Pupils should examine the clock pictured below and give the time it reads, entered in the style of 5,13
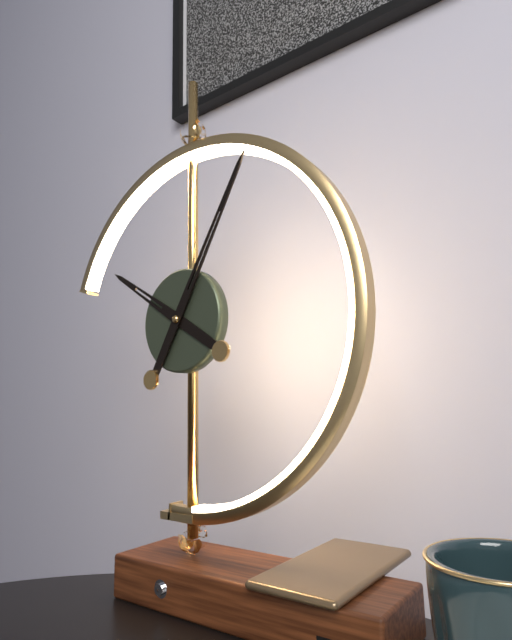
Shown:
10,05
